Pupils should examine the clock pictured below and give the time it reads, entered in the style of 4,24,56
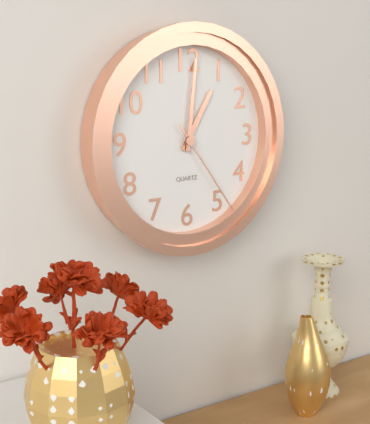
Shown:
1,01,24
